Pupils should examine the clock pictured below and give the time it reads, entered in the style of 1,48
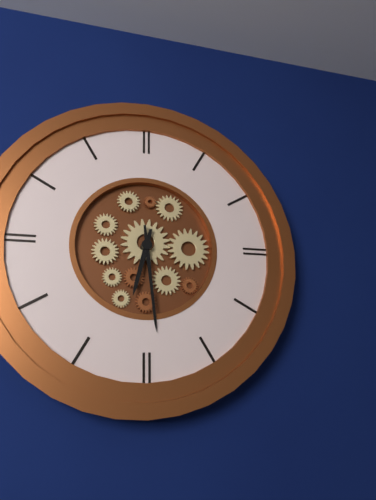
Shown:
6,29
